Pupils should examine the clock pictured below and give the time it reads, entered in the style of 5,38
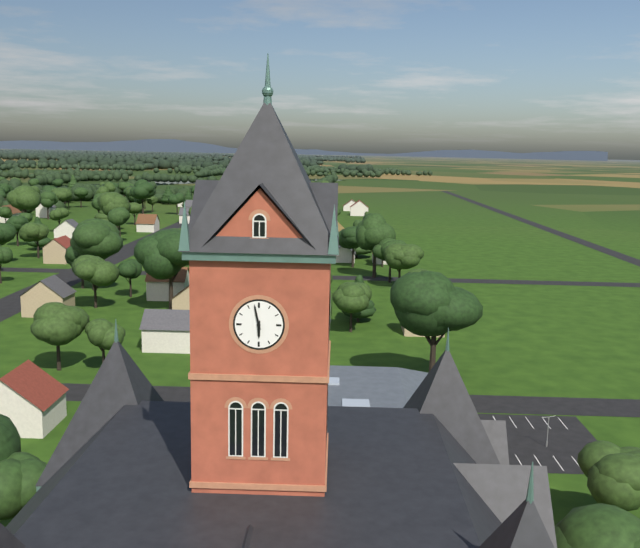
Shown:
5,58
